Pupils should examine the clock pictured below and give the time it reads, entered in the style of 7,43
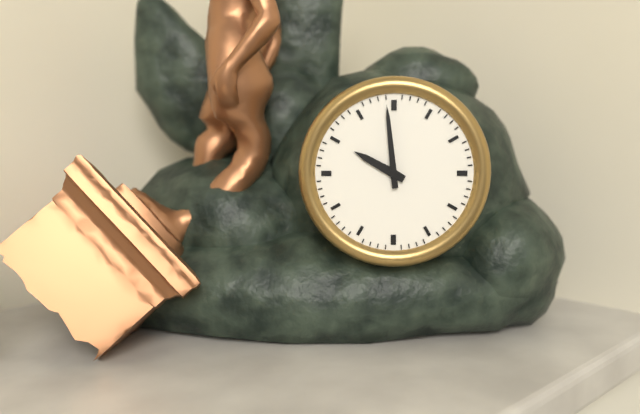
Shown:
9,59
